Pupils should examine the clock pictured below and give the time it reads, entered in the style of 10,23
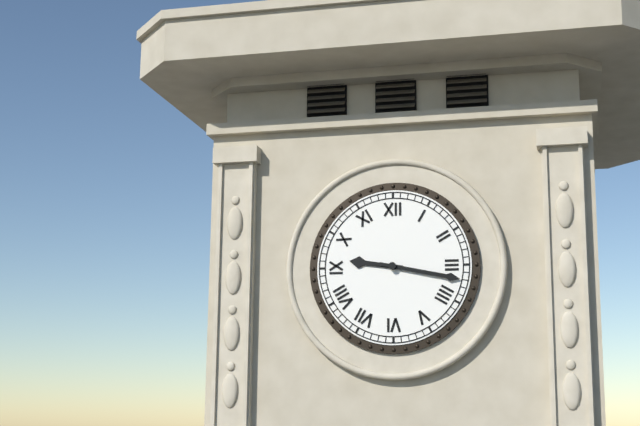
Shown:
9,17
